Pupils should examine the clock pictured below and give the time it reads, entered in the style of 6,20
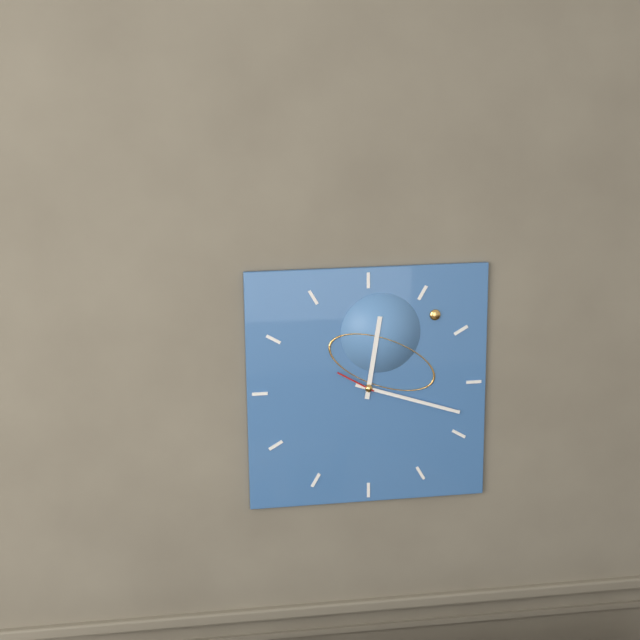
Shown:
12,18
